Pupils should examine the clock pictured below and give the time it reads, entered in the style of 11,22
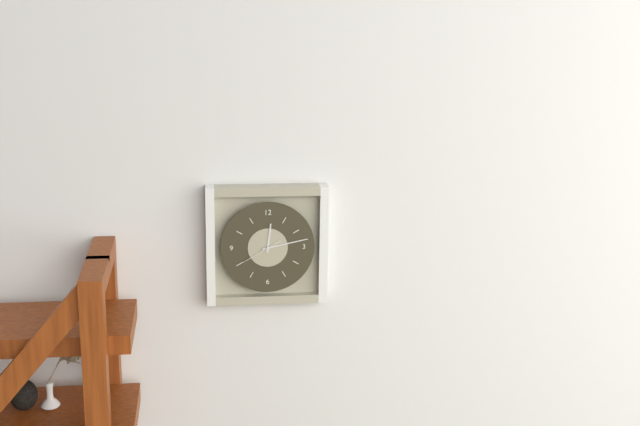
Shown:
12,13
